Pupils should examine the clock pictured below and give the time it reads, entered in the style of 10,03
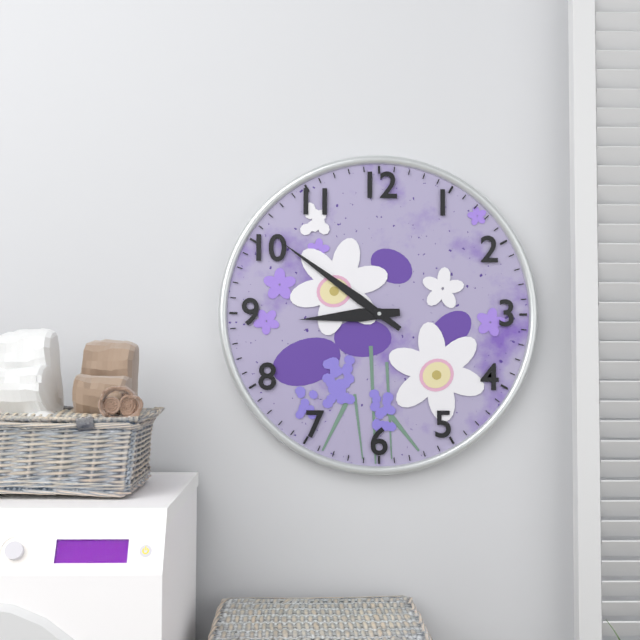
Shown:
8,51
